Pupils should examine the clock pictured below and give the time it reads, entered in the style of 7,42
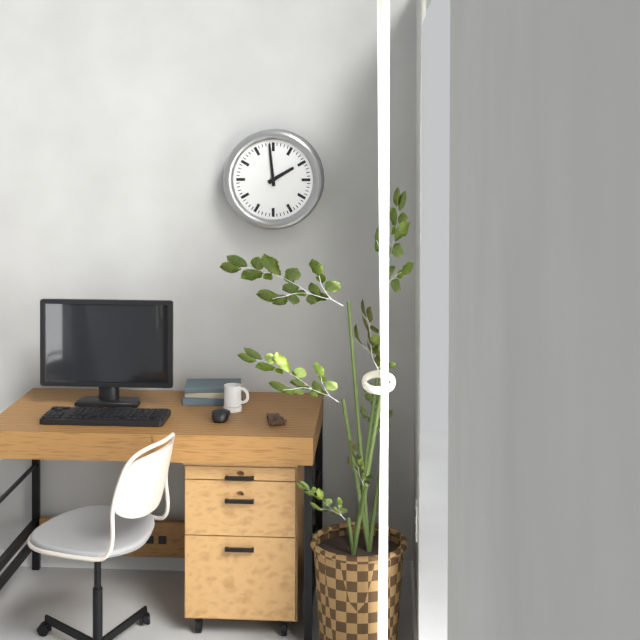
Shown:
1,59
